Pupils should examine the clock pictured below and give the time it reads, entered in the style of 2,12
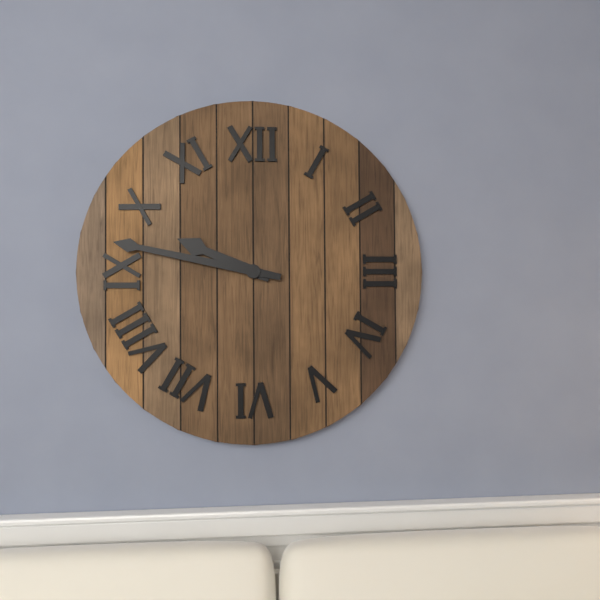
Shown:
9,47
